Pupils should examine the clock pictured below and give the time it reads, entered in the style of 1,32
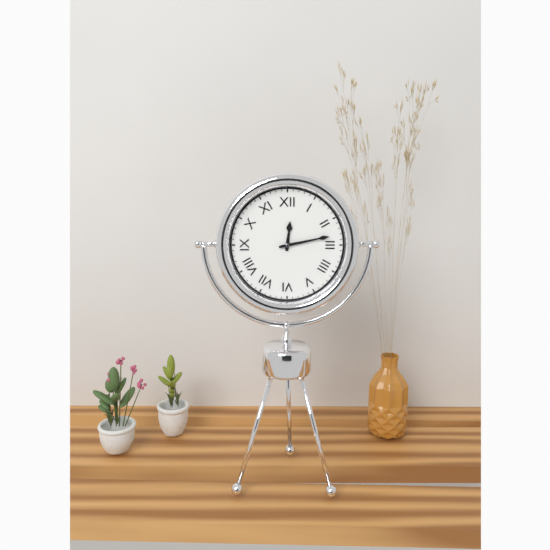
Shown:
12,13
